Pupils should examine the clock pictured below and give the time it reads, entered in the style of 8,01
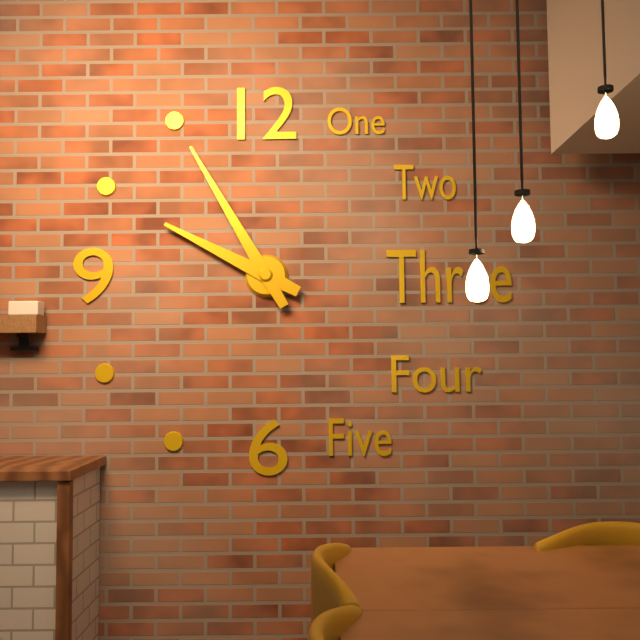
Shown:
9,55
